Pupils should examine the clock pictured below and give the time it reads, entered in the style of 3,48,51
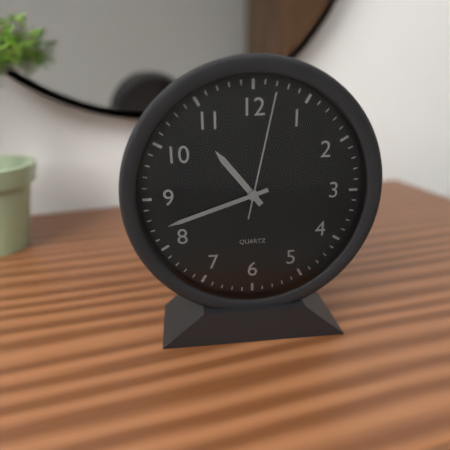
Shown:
10,42,02
